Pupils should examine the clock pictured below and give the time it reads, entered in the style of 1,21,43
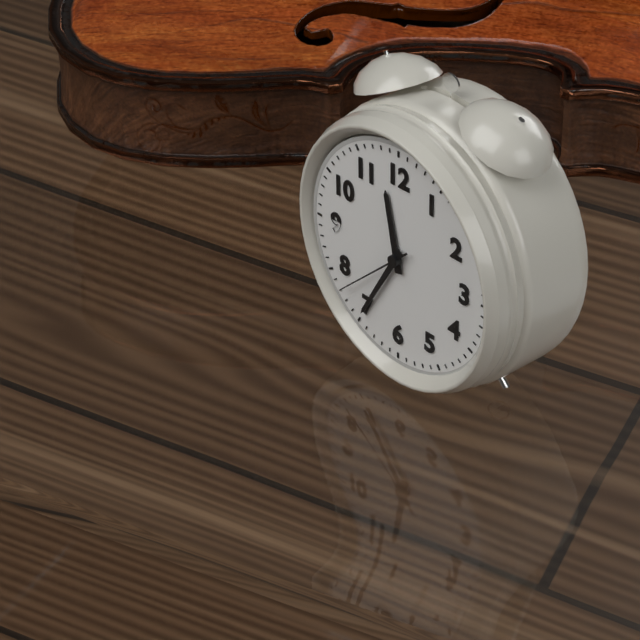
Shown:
11,35,38
